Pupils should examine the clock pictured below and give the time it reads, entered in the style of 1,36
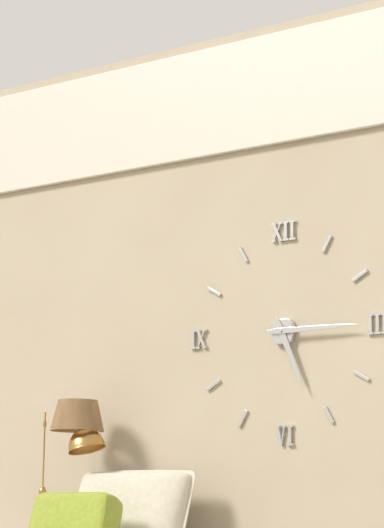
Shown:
5,15
